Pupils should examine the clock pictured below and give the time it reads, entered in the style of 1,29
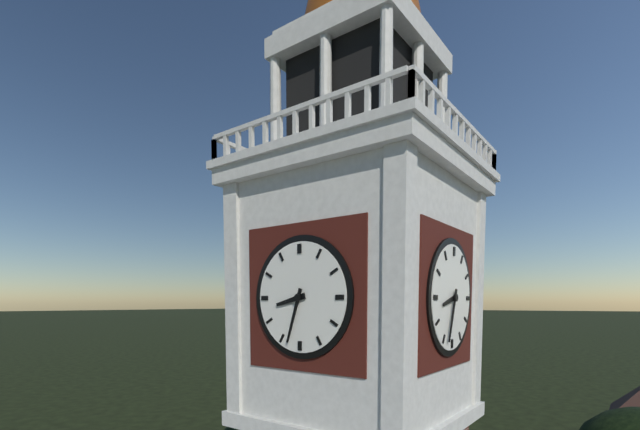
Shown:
8,33
